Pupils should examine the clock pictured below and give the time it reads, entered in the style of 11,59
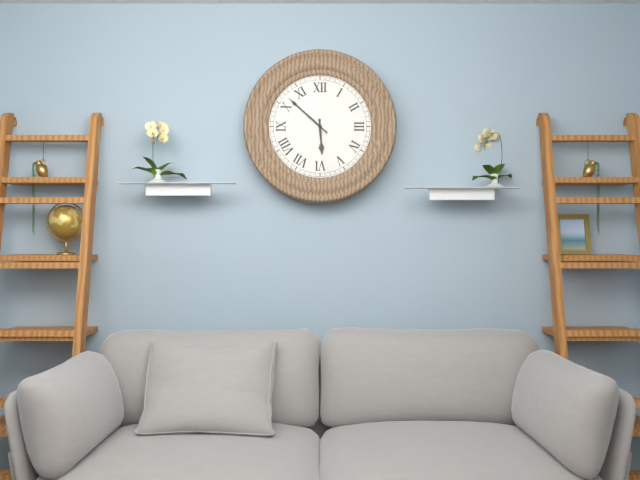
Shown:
5,52
